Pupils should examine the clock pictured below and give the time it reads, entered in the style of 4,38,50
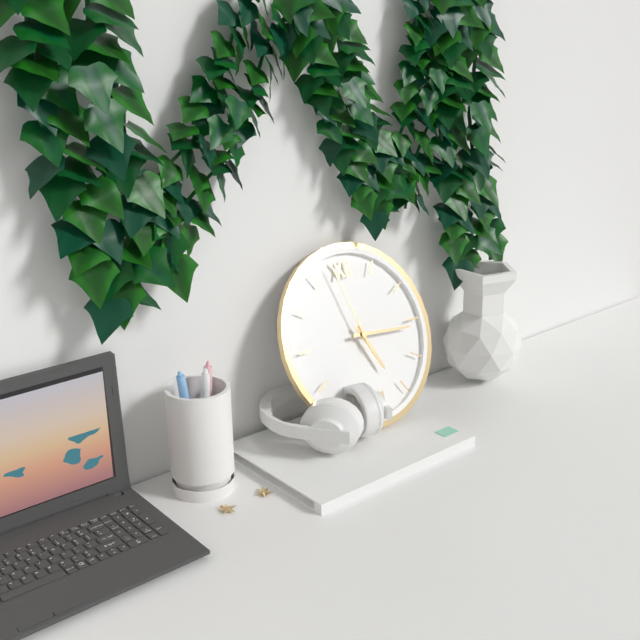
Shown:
5,16,58
